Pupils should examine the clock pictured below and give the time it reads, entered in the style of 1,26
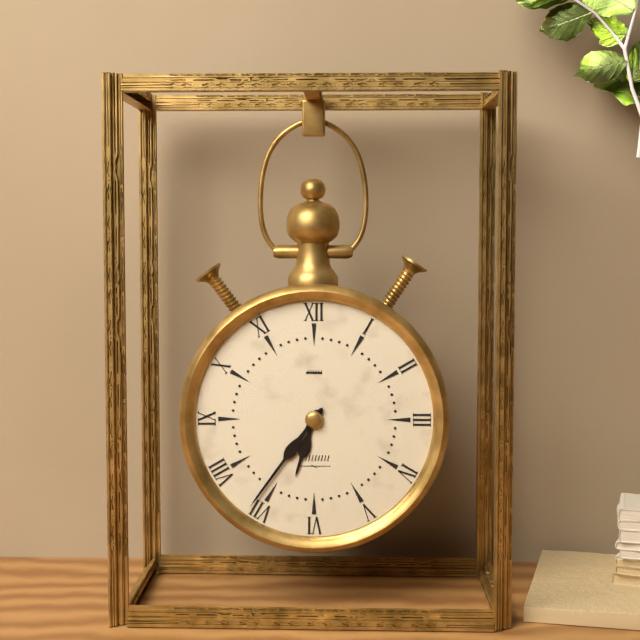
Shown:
6,36
